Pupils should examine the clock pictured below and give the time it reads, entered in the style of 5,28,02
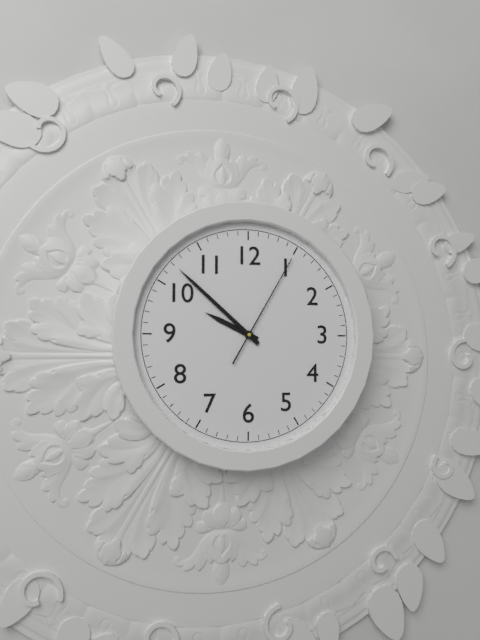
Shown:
9,52,05
